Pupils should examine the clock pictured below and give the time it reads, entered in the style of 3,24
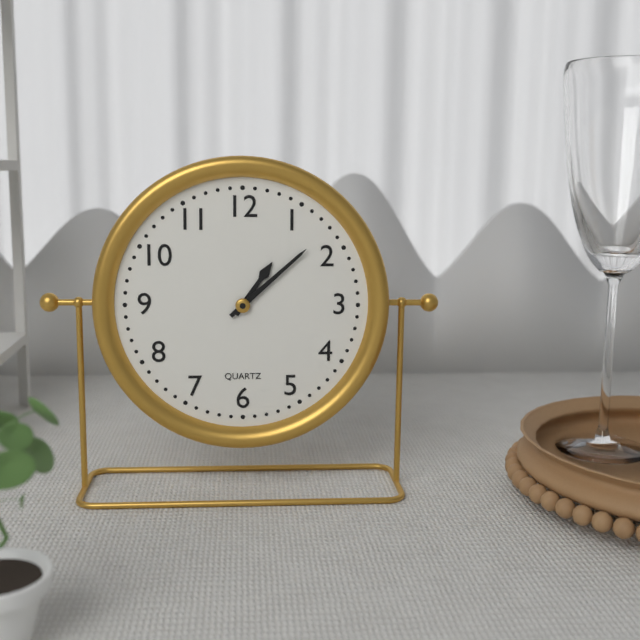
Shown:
1,08
